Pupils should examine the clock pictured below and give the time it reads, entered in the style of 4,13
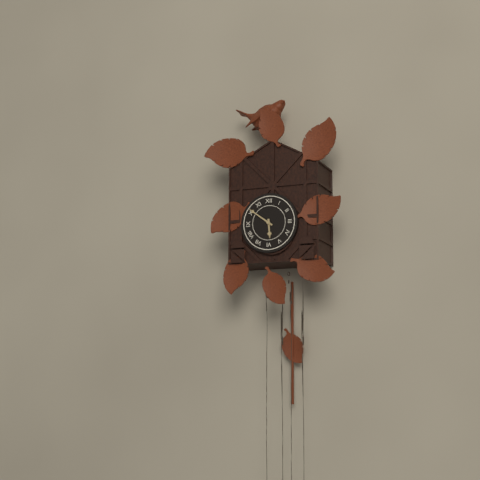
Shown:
5,51
